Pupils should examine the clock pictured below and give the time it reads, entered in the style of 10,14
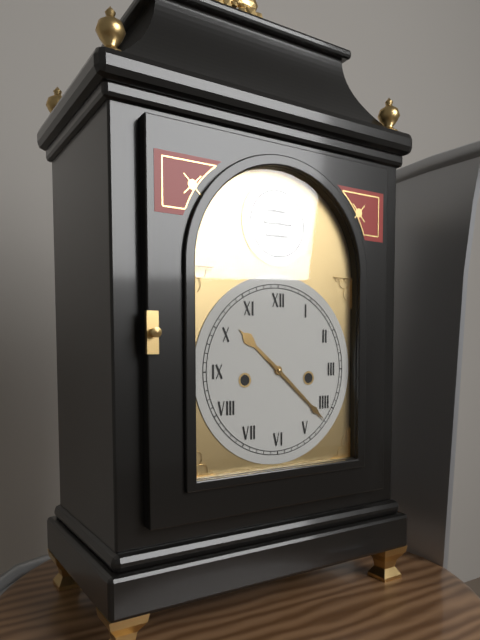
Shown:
10,22
